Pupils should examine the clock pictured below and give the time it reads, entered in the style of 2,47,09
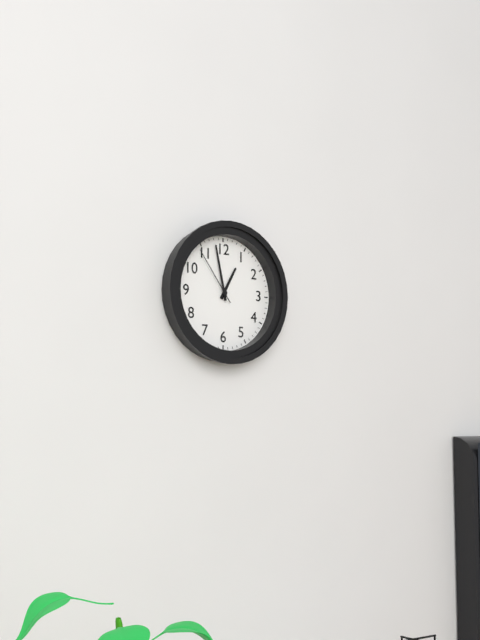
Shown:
12,58,54
